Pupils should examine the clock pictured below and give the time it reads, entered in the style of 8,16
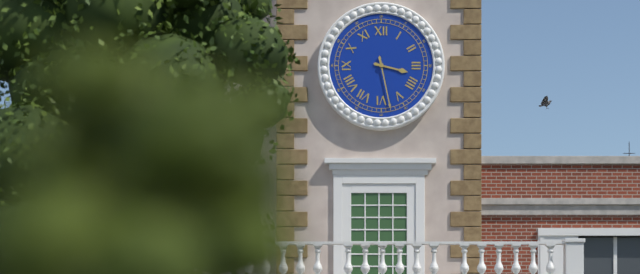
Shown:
3,28
